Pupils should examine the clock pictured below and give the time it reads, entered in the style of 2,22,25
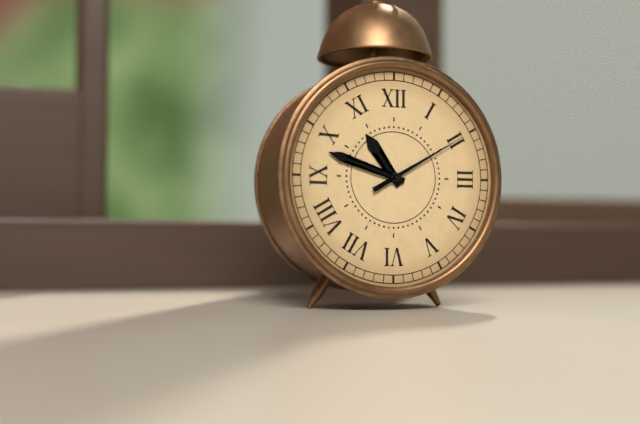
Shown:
10,48,10
